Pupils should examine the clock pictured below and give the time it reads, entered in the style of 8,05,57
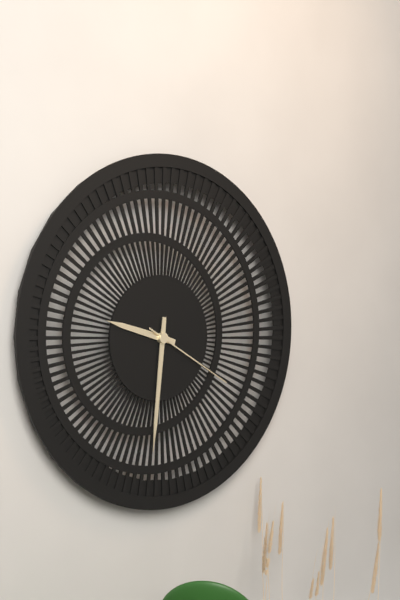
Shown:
9,31,20
